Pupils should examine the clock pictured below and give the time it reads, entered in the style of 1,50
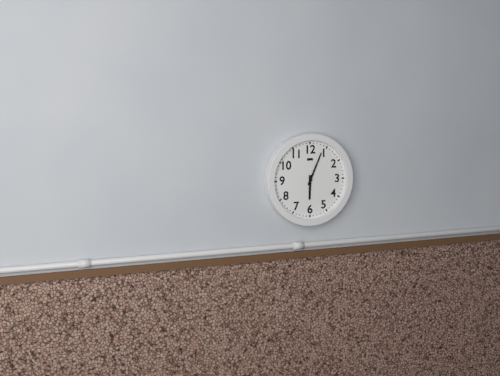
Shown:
6,04
